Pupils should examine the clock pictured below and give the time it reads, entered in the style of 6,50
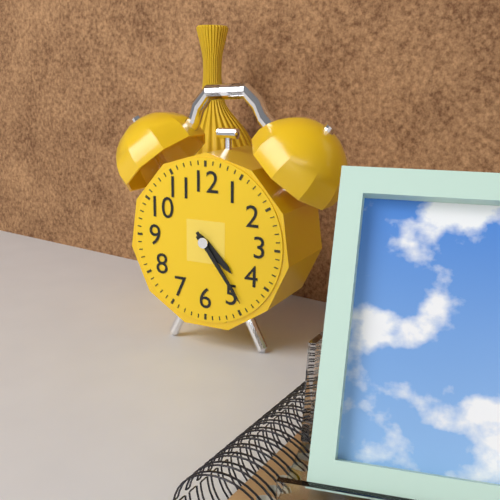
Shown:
4,24
